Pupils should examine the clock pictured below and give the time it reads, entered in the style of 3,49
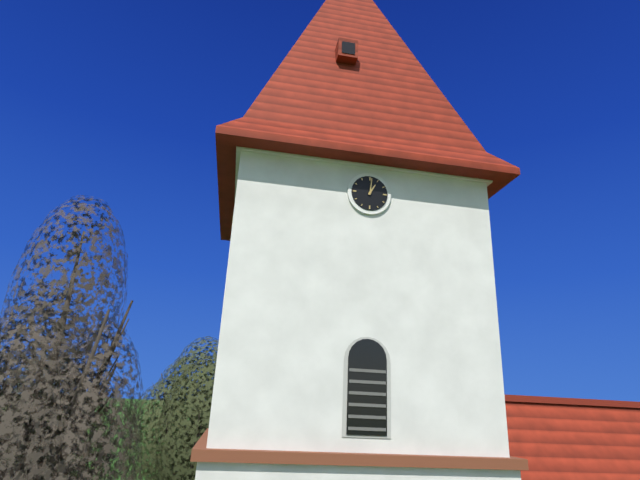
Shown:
1,01
